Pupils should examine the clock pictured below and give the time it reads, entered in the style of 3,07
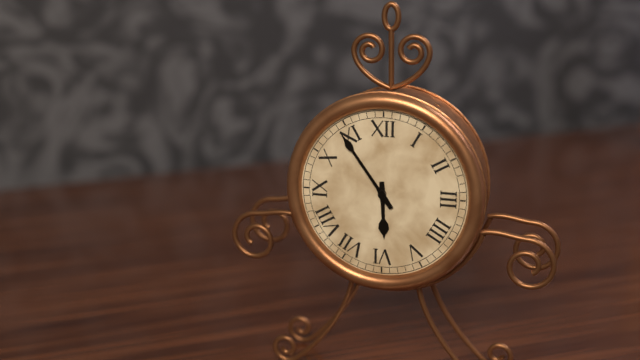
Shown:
5,54
